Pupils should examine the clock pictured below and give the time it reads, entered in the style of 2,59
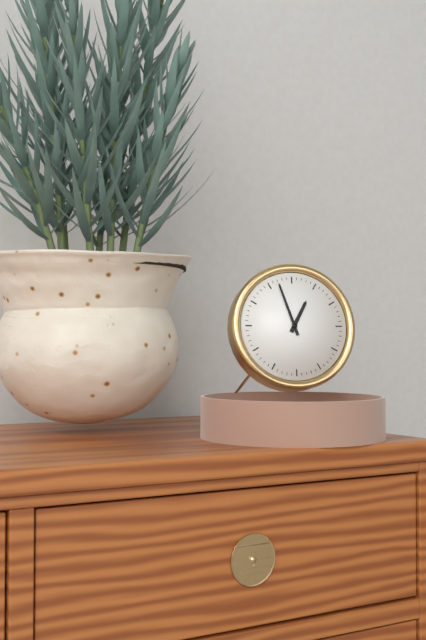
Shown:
12,57
